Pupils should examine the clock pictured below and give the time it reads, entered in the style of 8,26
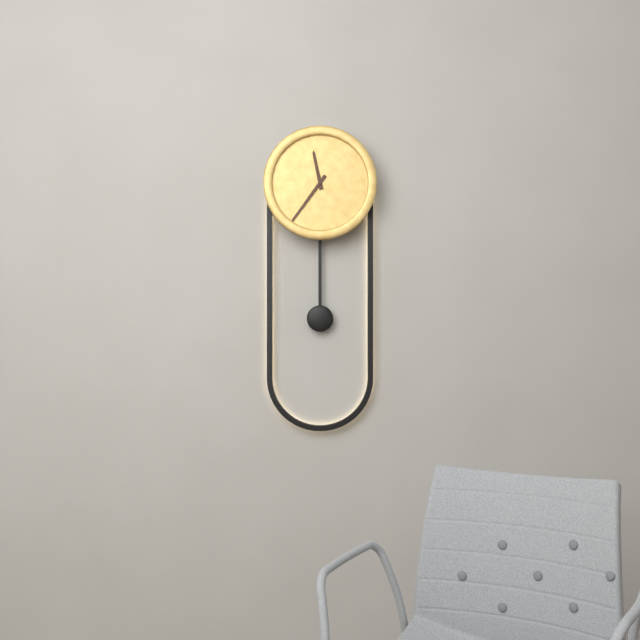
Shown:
11,36
